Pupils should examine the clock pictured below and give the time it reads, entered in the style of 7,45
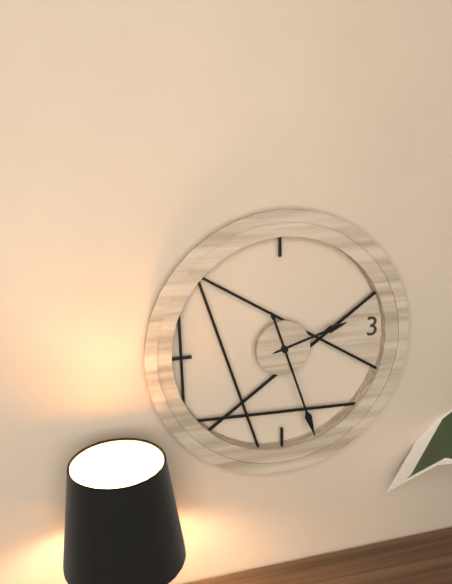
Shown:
2,27
